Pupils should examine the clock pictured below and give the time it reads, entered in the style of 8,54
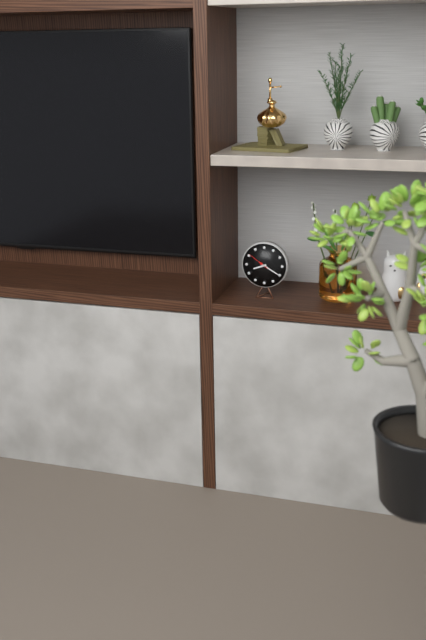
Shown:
8,20
